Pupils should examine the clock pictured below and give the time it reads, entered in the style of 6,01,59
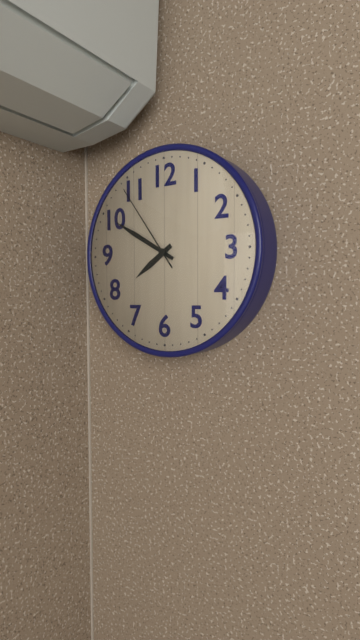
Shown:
7,50,54
